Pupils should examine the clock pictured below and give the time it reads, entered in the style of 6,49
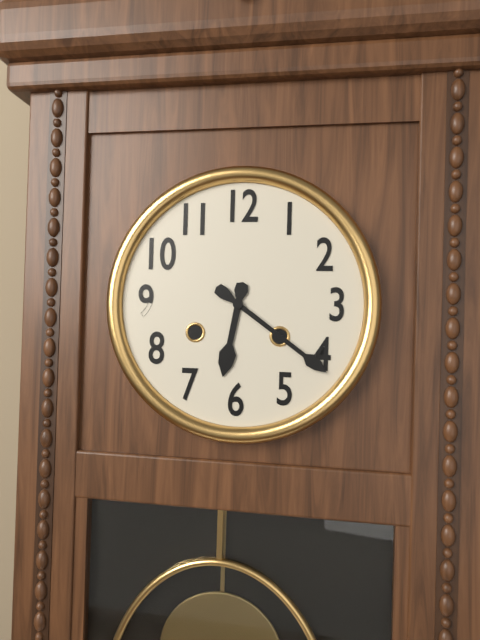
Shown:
6,21
